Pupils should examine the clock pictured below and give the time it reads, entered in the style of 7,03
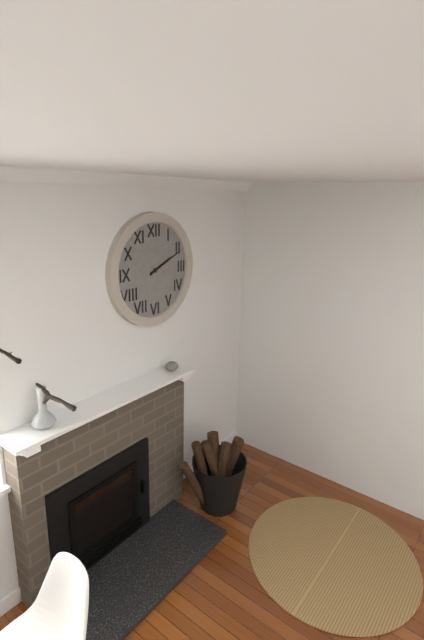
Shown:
2,11
